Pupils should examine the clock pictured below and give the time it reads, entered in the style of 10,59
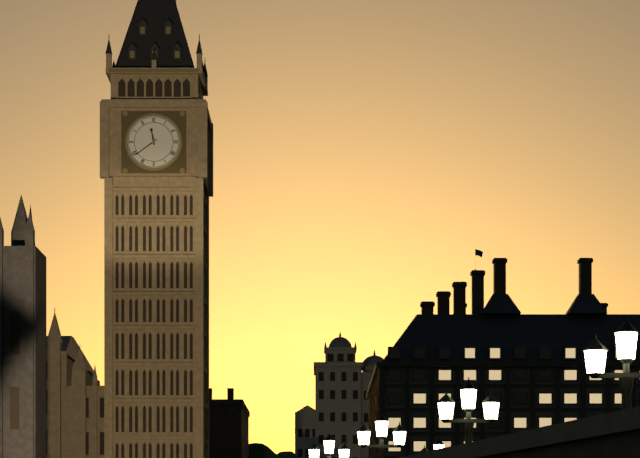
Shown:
11,39
